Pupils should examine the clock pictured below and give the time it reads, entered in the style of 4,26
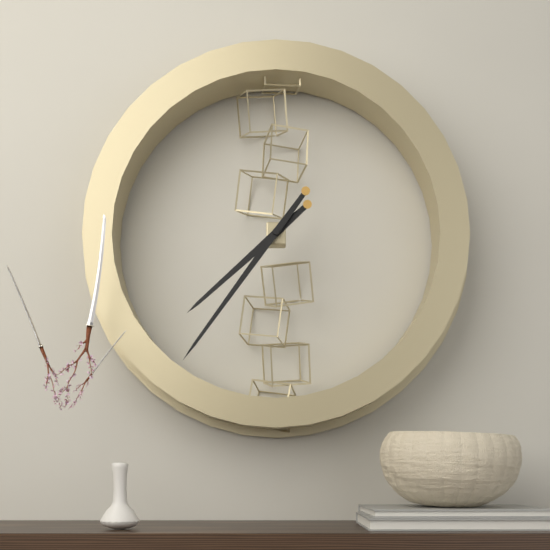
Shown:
7,36
